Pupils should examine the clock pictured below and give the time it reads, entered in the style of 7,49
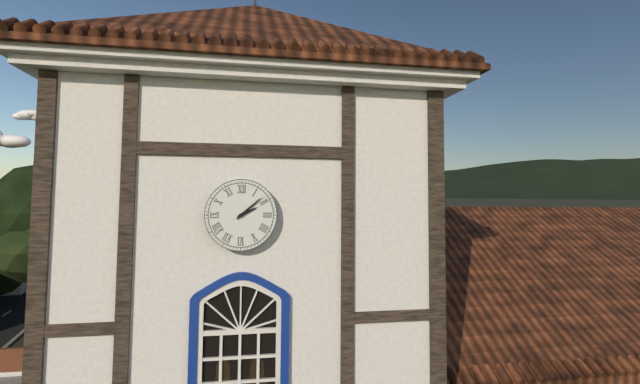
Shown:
2,08
